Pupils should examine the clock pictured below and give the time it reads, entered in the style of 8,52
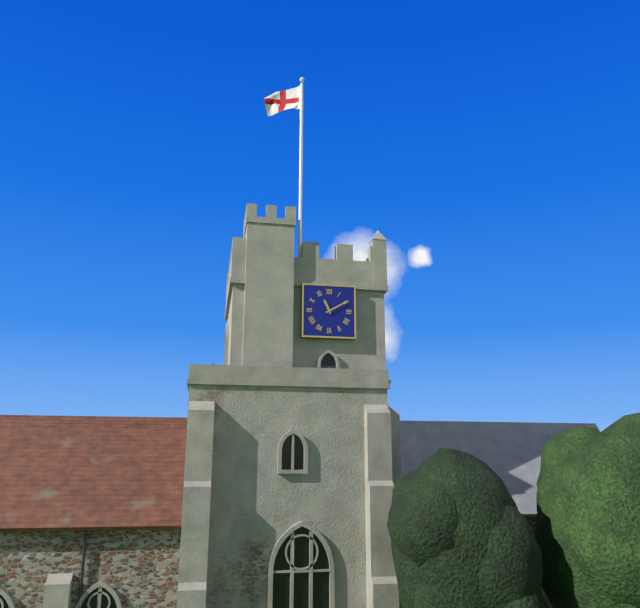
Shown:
11,10
